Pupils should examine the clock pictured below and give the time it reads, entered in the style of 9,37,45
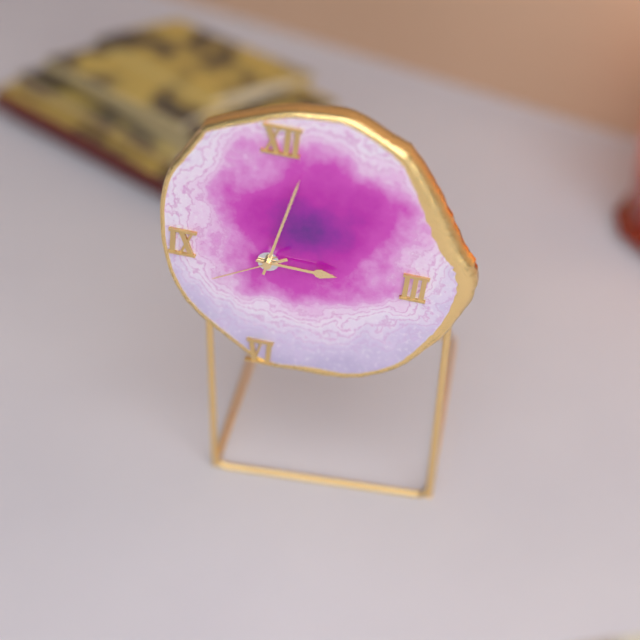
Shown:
3,02,40
